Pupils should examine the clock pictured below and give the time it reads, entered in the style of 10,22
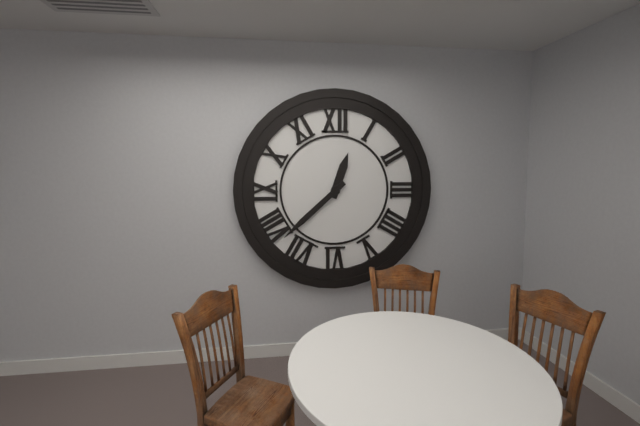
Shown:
12,38
